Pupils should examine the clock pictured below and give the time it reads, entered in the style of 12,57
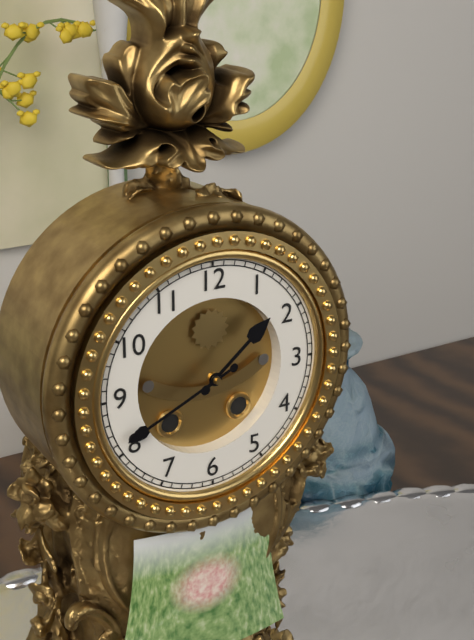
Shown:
1,41
